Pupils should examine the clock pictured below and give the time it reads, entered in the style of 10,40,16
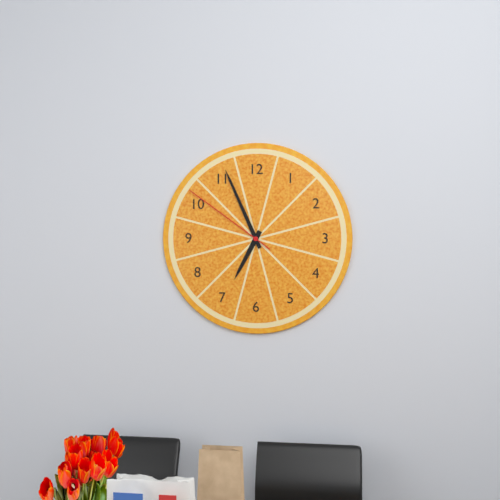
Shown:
6,56,51
